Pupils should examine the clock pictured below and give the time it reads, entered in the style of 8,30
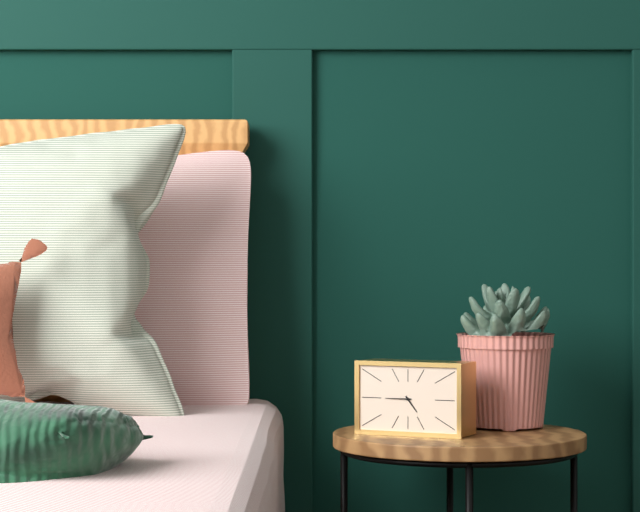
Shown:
4,45
